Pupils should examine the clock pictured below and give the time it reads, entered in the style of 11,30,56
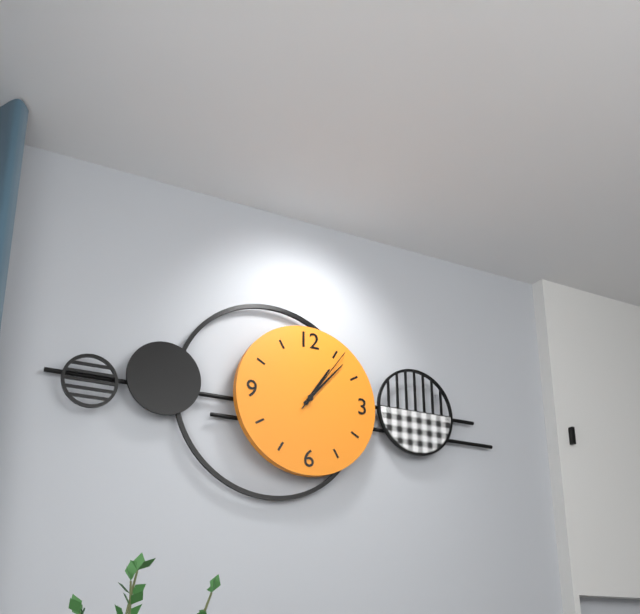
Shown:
1,07,06
